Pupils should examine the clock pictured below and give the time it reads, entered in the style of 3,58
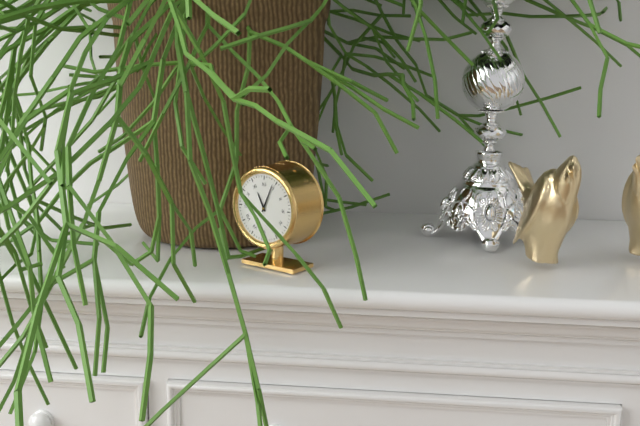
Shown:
11,04
